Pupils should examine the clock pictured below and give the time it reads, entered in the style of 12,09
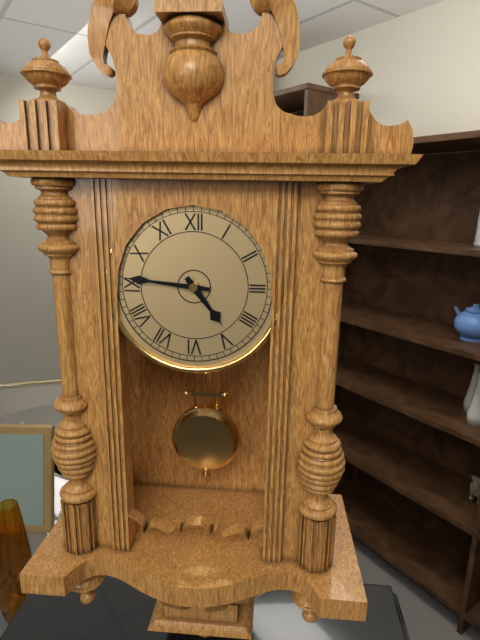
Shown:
4,46
